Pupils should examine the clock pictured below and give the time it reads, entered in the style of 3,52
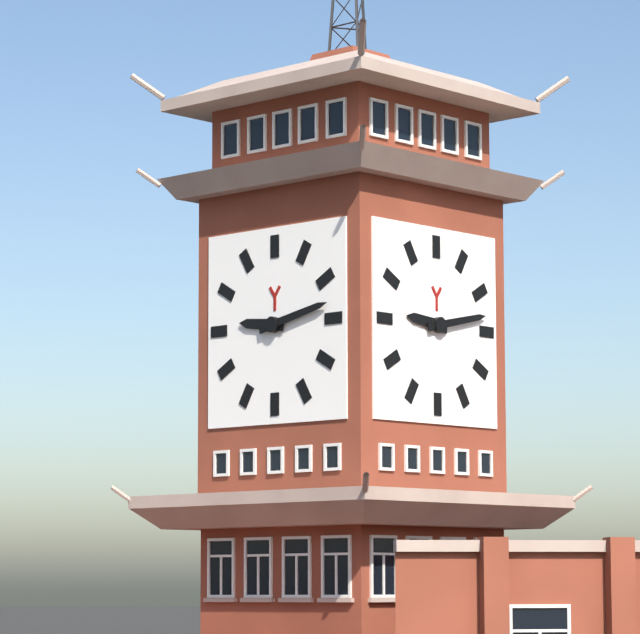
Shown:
9,13
